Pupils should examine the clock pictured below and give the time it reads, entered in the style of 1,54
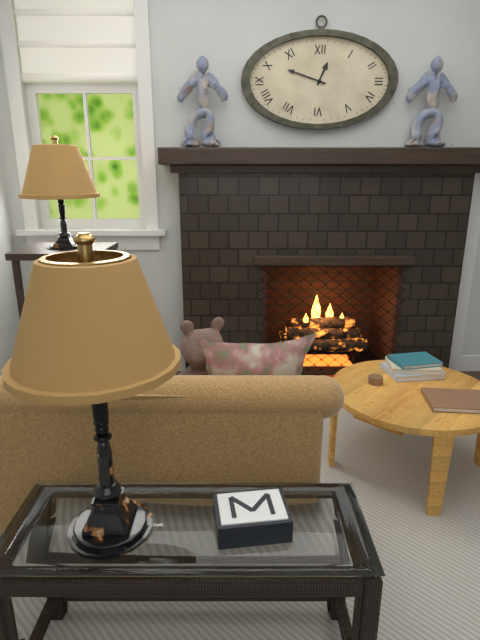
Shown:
12,48
